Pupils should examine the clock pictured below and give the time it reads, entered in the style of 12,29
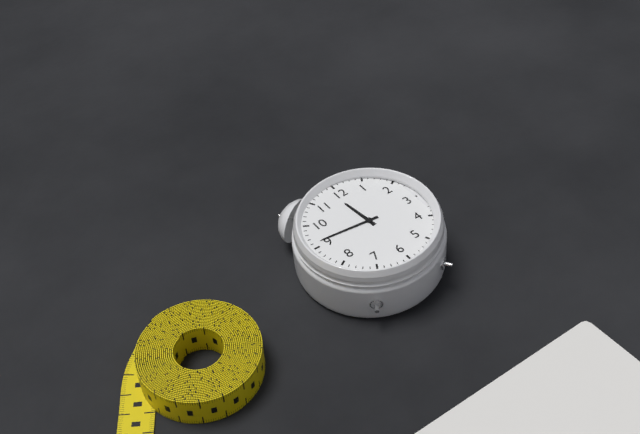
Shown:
11,46
